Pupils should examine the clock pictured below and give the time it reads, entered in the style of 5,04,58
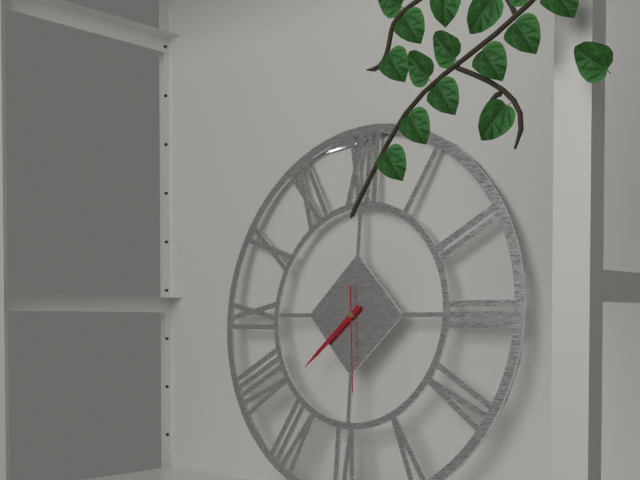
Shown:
7,38,29
